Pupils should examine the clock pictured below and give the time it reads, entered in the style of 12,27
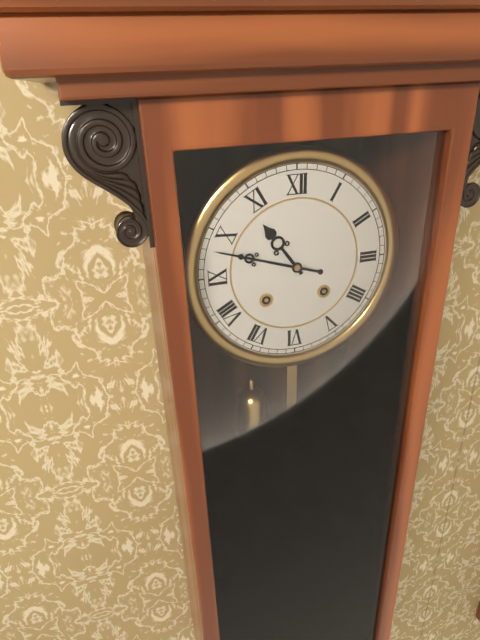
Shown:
10,48
